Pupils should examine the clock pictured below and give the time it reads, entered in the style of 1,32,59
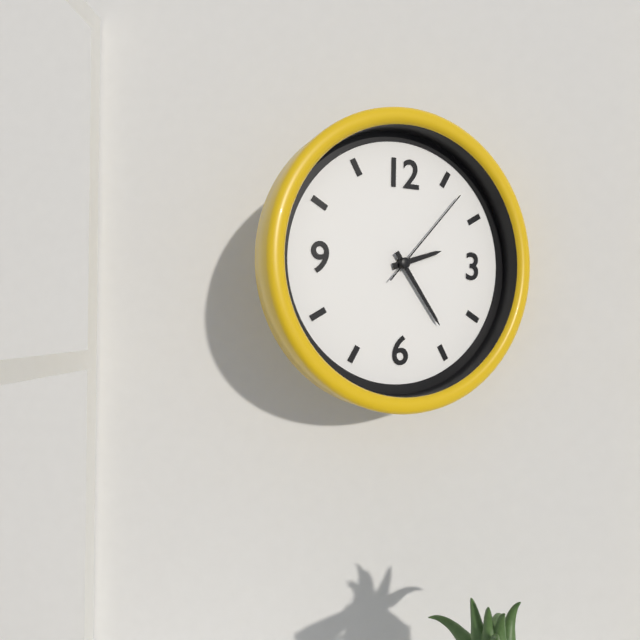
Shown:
2,24,07
